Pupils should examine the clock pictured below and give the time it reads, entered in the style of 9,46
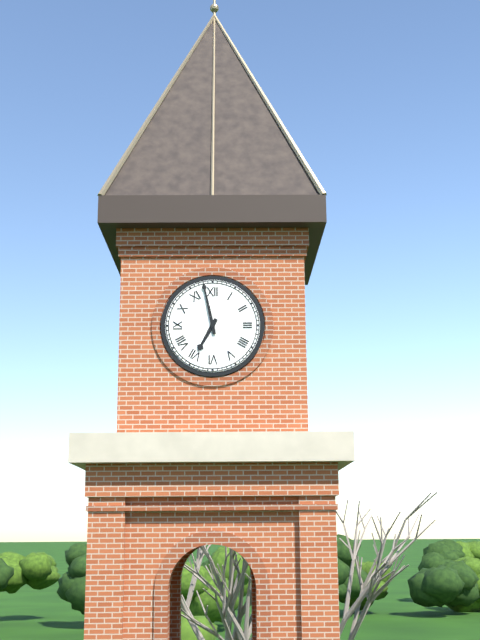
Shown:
6,58
